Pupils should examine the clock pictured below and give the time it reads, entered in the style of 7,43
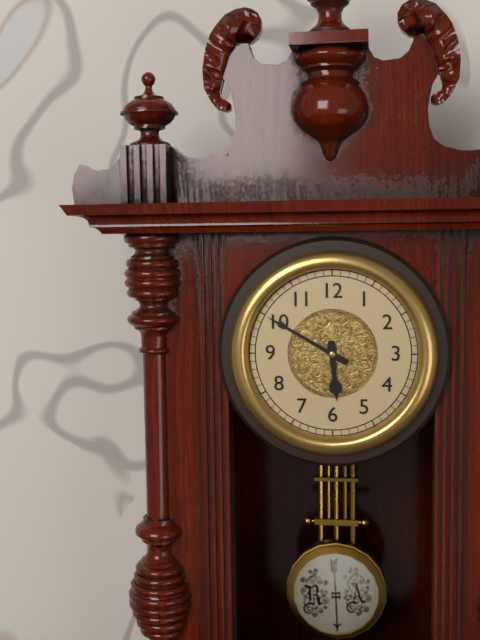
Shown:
5,50
